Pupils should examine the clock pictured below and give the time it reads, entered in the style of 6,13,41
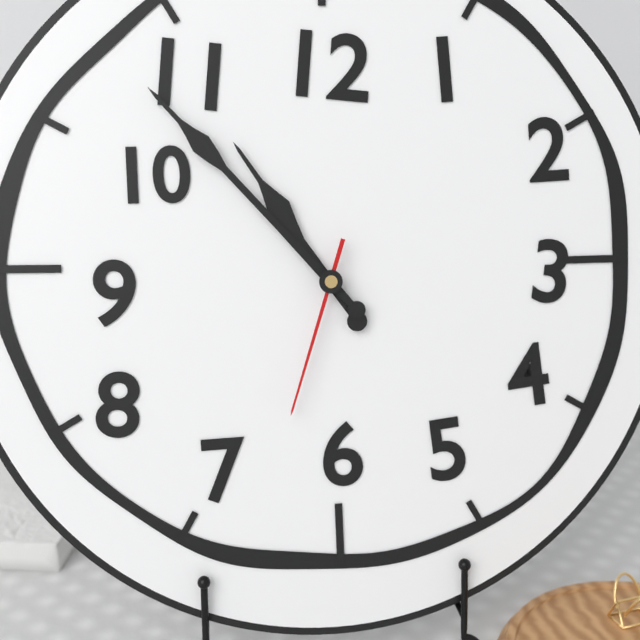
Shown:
10,53,33
